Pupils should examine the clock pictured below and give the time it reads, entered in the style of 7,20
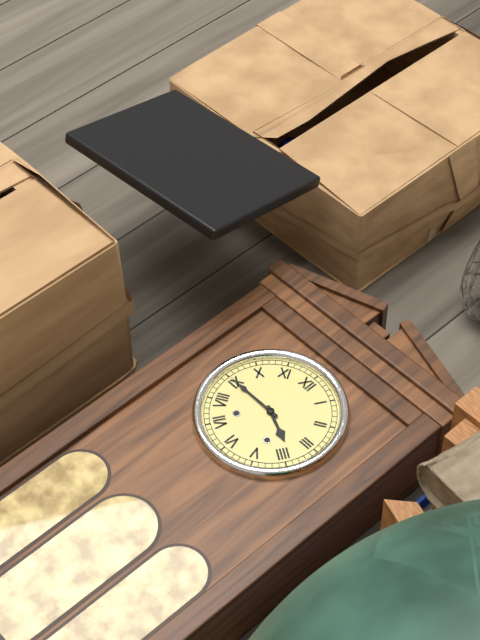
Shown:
3,45
